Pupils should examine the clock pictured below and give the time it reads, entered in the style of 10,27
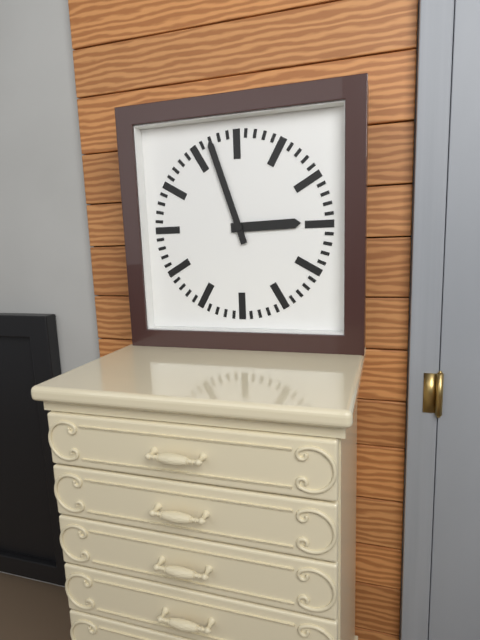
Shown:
2,57
